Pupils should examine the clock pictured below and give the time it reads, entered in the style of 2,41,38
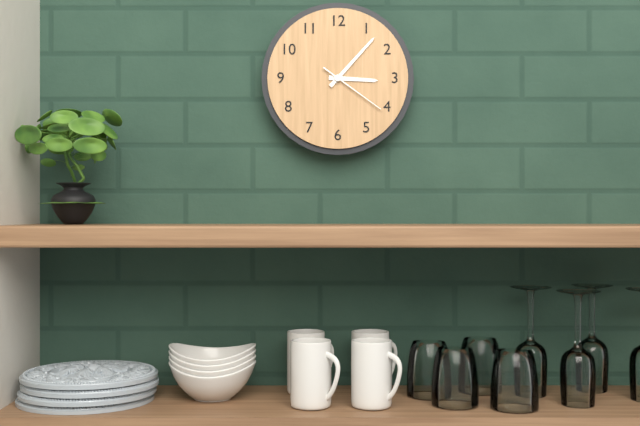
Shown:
3,07,21
